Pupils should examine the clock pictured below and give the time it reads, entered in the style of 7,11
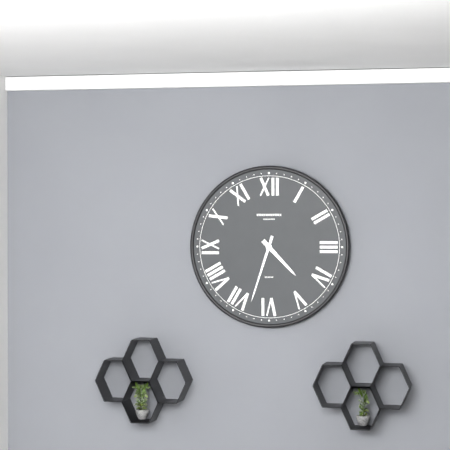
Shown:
4,33
